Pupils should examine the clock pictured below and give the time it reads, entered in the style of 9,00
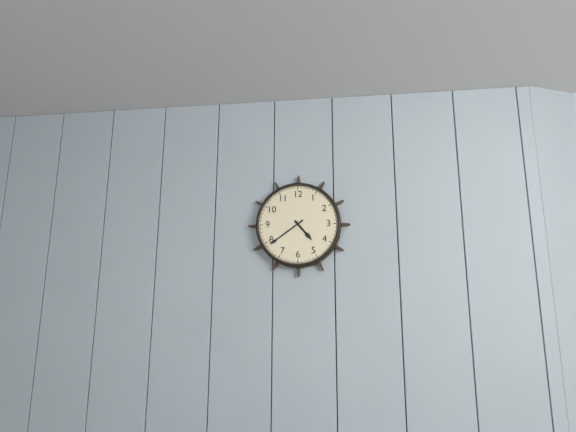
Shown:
4,39
